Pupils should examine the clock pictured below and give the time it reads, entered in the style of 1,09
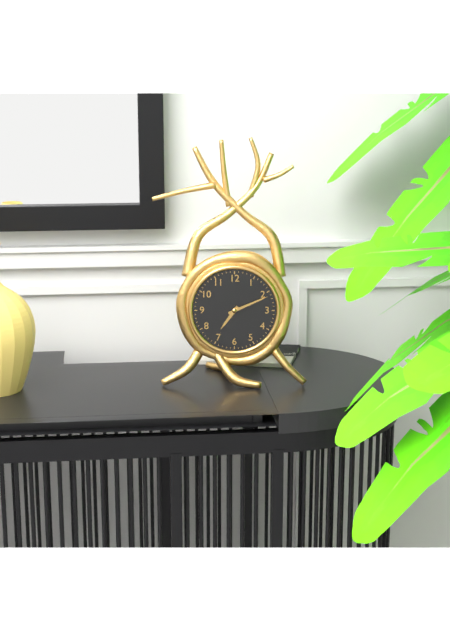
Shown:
7,11
